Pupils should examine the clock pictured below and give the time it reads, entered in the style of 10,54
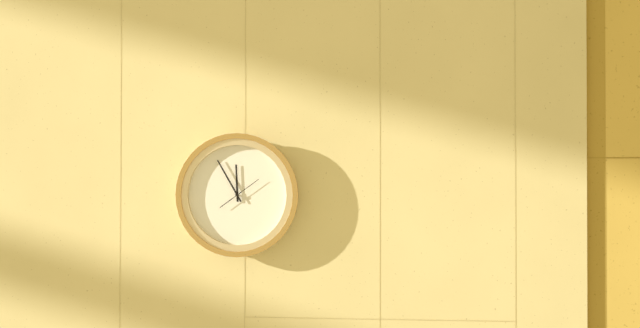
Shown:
11,55
